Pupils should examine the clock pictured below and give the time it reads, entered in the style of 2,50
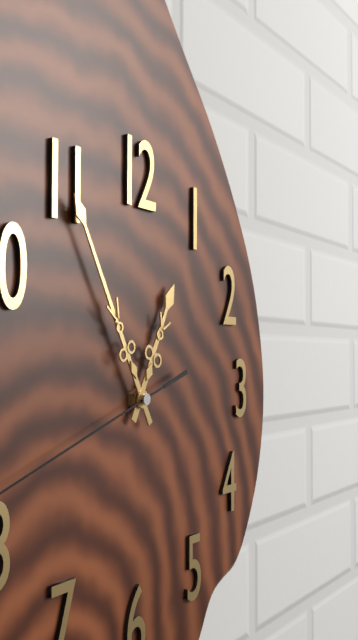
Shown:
12,55
